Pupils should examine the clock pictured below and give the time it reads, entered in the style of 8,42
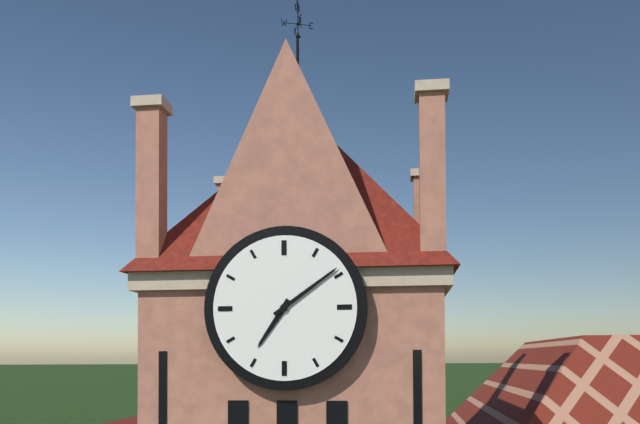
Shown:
7,09
